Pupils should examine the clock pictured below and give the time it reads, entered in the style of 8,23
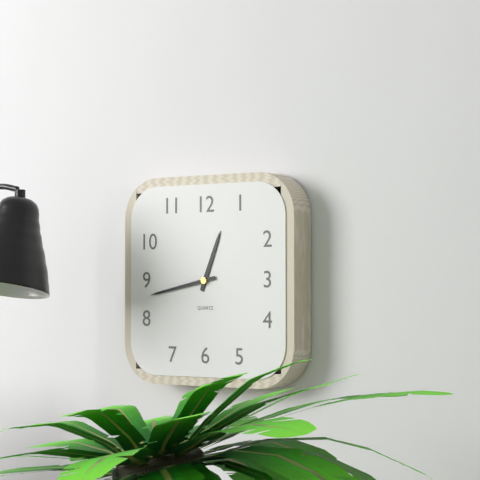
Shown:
12,43
